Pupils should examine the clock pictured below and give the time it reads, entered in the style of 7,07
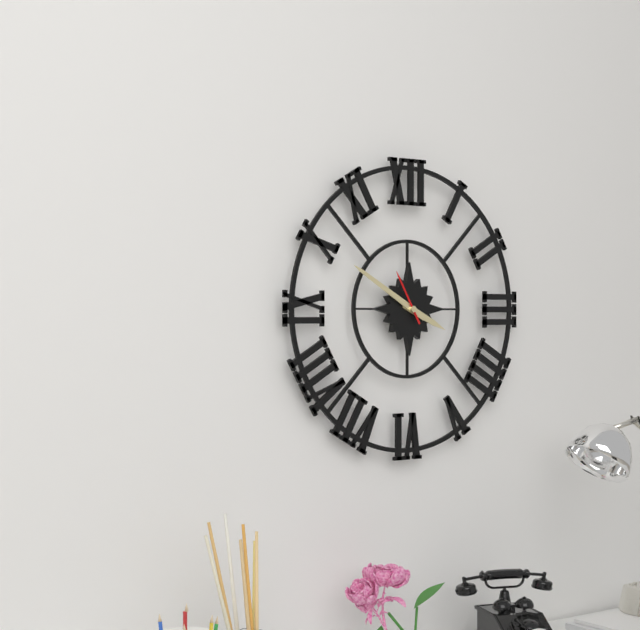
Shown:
3,50
